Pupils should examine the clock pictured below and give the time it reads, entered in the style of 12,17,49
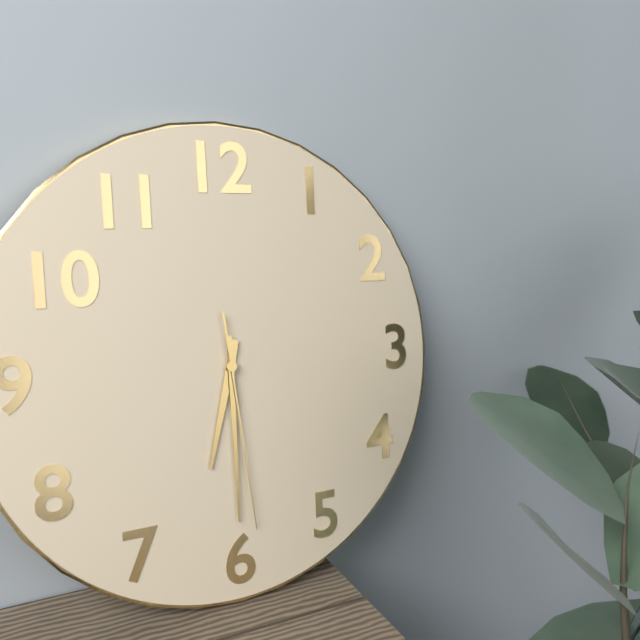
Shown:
6,30,29
